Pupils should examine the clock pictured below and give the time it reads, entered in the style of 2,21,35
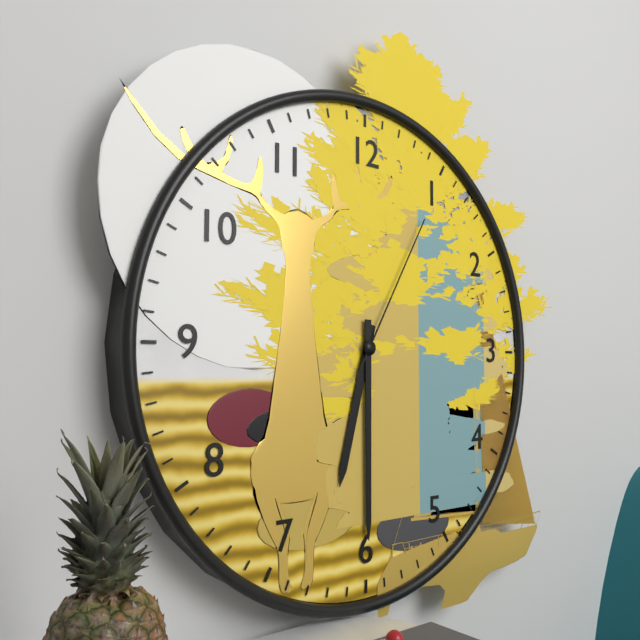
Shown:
6,30,05
